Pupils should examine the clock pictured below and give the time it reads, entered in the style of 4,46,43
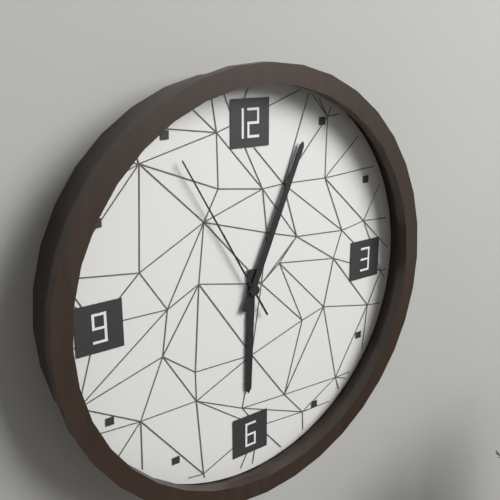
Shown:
6,04,55
